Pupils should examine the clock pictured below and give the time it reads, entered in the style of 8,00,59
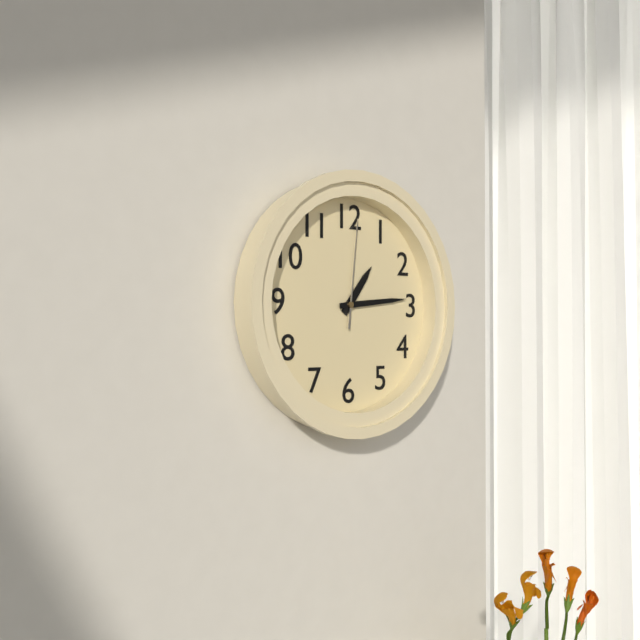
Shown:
1,14,01
